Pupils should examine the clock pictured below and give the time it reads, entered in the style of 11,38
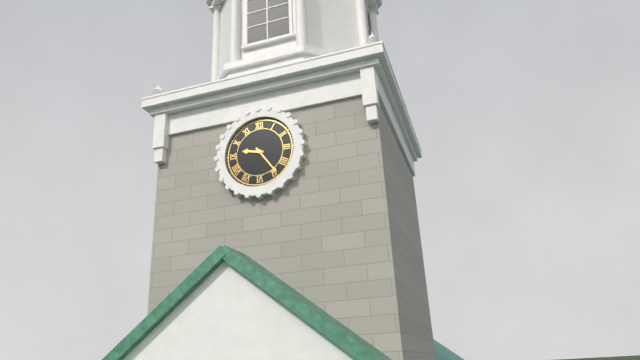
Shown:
9,24
